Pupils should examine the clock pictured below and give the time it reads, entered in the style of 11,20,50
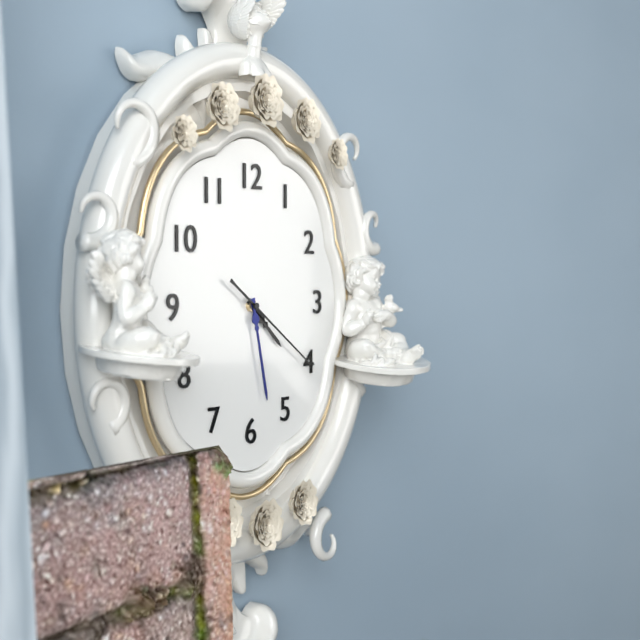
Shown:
4,28,21
